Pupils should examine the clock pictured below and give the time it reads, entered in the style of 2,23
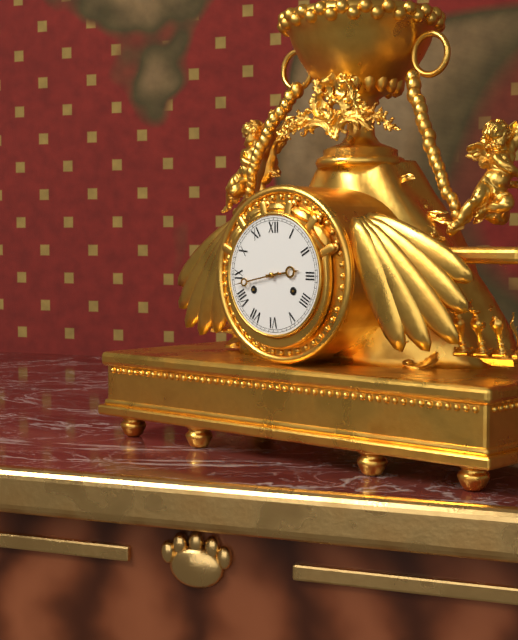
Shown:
2,43
